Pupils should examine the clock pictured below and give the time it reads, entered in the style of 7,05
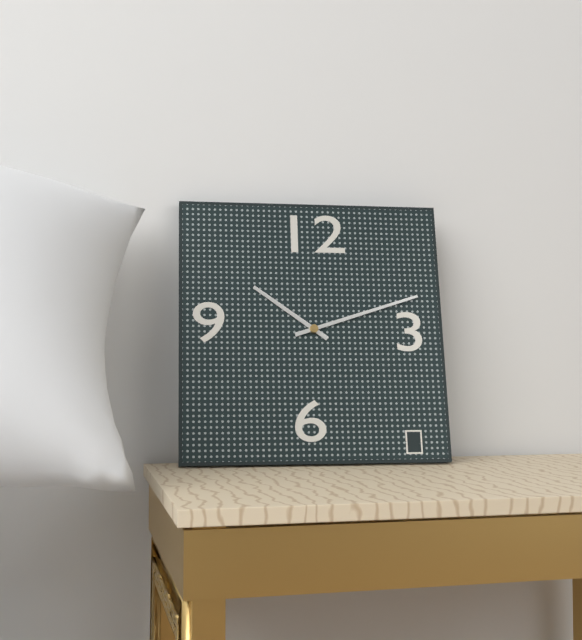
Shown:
10,12
